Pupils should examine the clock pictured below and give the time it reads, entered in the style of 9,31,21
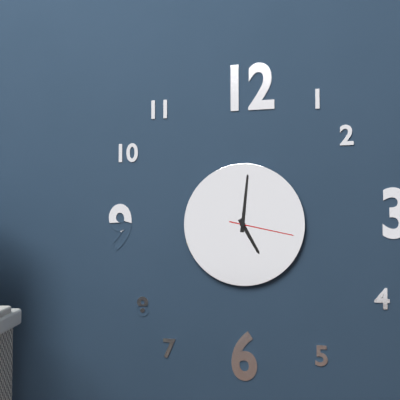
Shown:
5,01,17
